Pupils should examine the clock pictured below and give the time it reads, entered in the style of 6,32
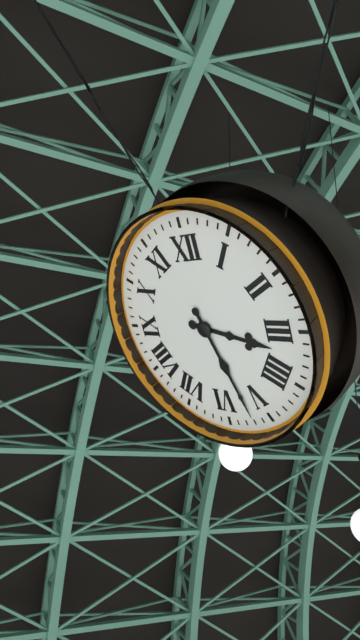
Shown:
3,27
